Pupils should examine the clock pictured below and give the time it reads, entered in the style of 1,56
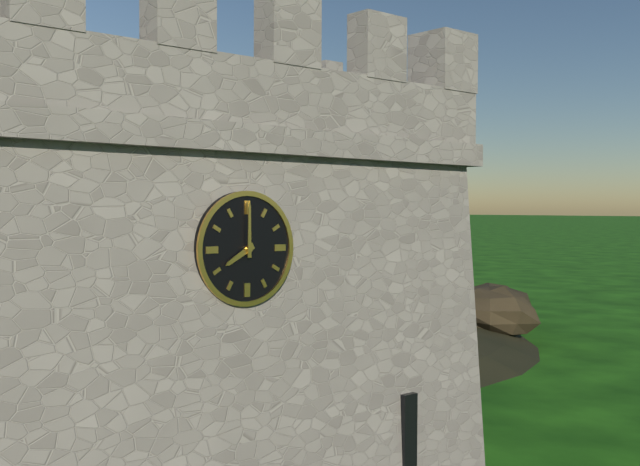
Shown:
8,00
